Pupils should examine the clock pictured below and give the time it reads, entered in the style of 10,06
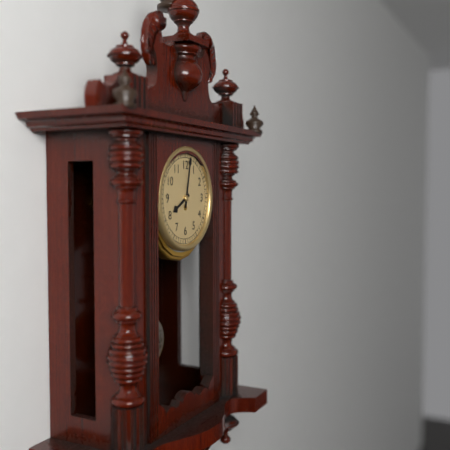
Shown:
8,02
